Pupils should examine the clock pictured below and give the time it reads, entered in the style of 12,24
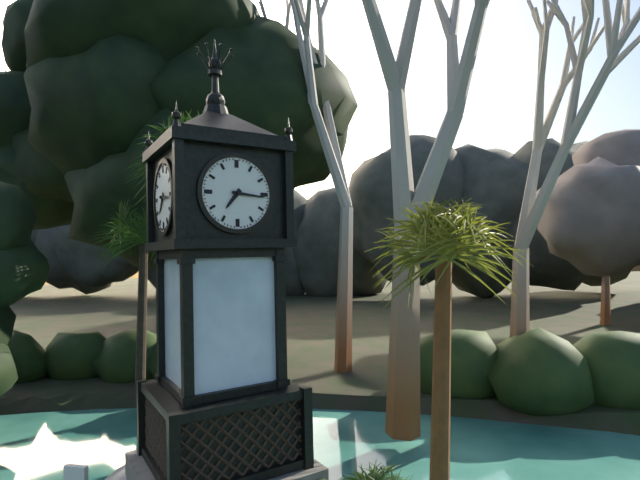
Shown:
7,16
